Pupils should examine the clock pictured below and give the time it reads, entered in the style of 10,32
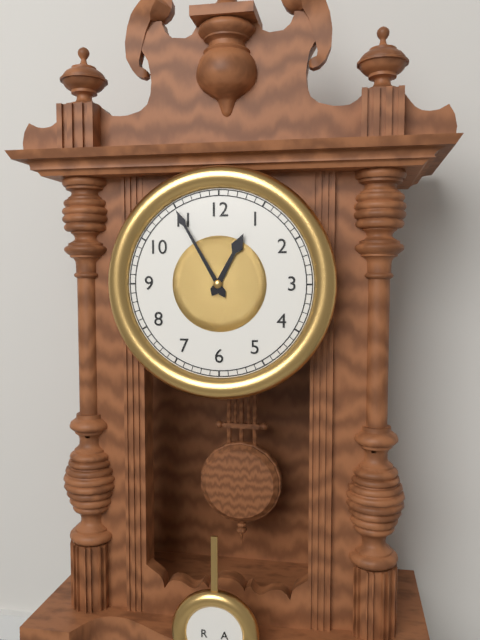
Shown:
12,55
